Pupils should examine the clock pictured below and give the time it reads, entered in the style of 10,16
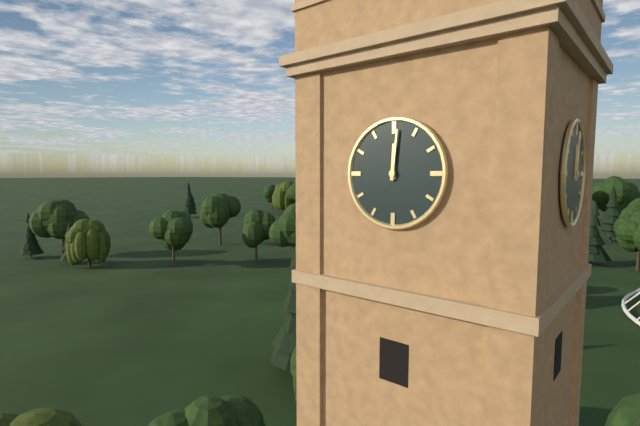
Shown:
12,01
